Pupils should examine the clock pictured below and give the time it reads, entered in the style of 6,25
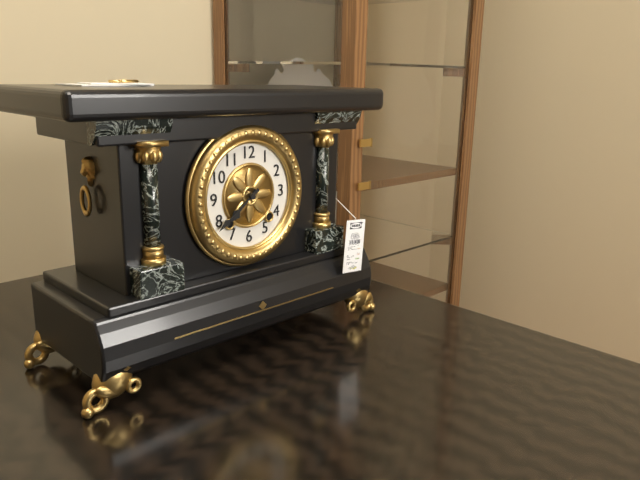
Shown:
7,39
